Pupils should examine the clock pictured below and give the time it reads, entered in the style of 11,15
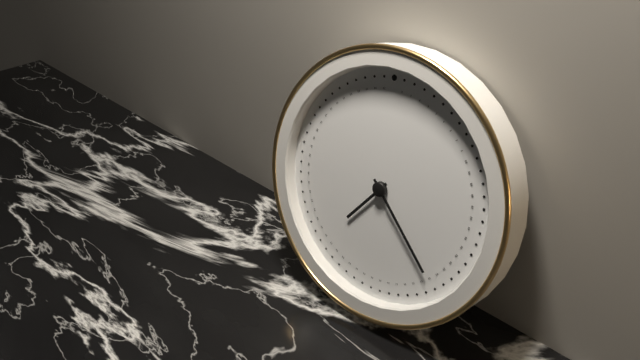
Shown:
7,23
